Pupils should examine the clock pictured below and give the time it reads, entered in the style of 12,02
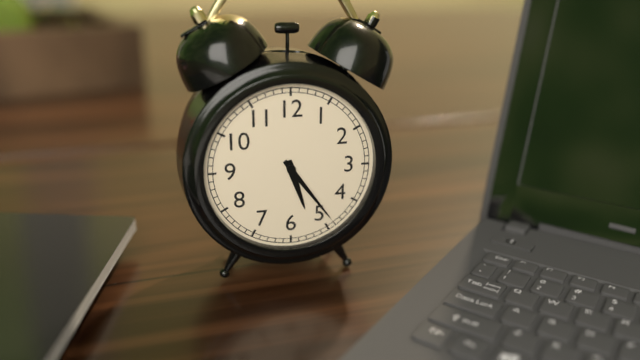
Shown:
5,24
